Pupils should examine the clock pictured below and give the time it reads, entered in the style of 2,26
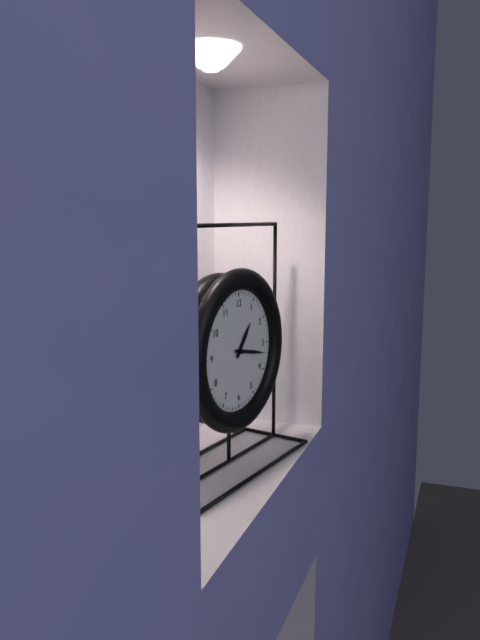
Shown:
1,17
